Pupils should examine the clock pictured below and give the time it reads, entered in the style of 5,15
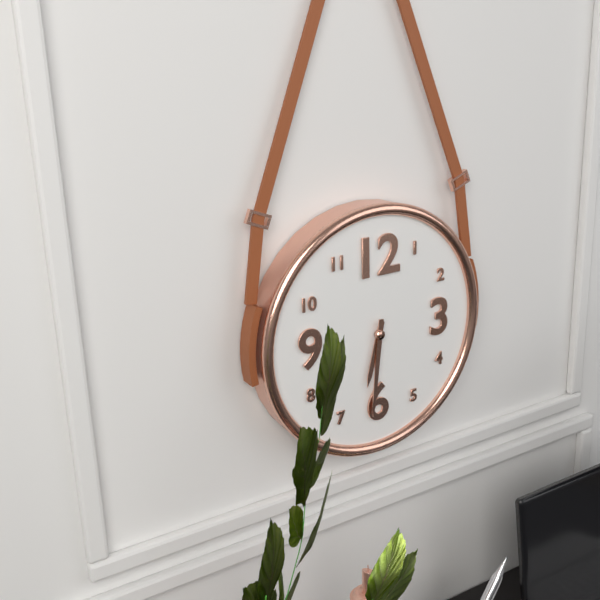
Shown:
6,31
